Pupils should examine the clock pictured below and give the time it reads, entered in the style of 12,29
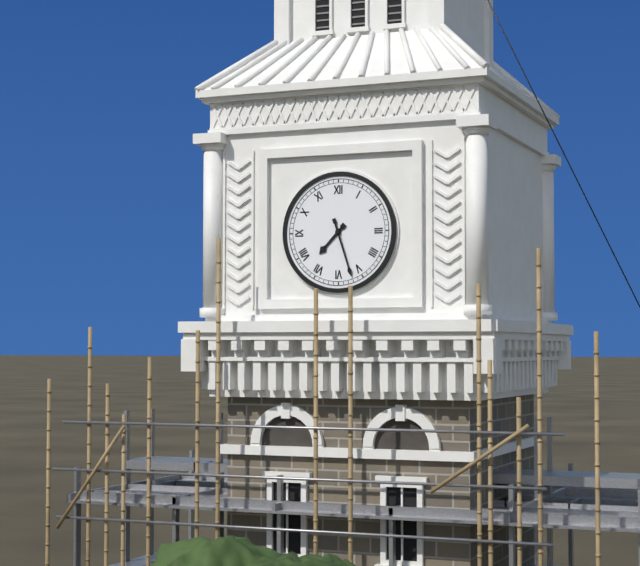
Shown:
7,27
